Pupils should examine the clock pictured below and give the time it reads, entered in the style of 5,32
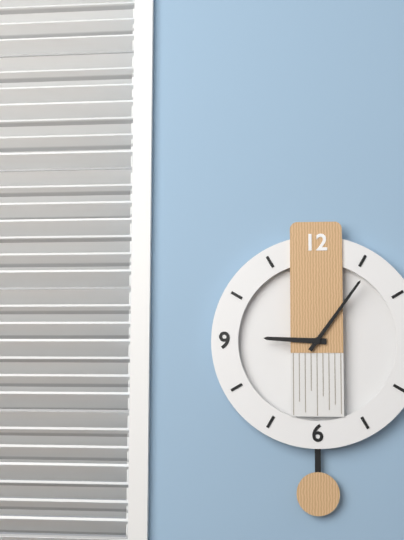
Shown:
9,06
